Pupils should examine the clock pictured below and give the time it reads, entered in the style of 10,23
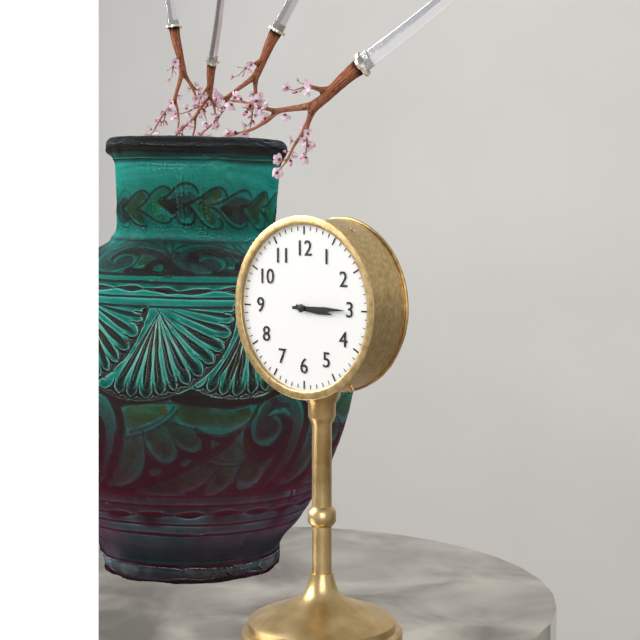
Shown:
3,15
